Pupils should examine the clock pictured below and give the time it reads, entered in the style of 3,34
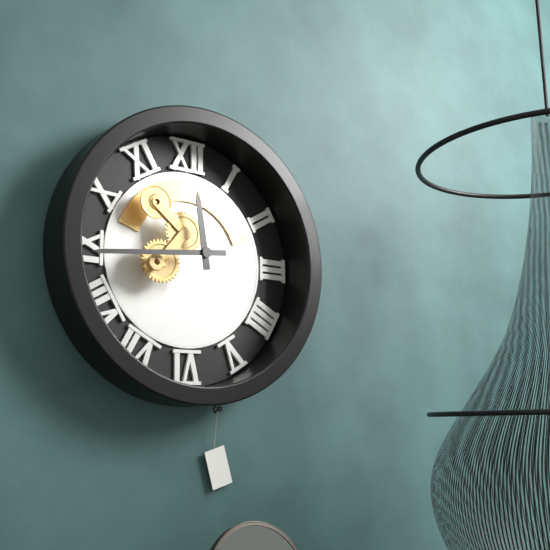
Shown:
11,44
